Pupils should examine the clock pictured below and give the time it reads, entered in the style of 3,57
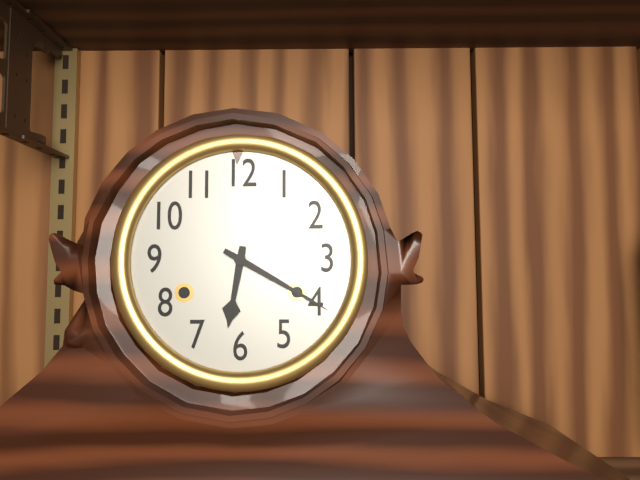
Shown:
6,20
